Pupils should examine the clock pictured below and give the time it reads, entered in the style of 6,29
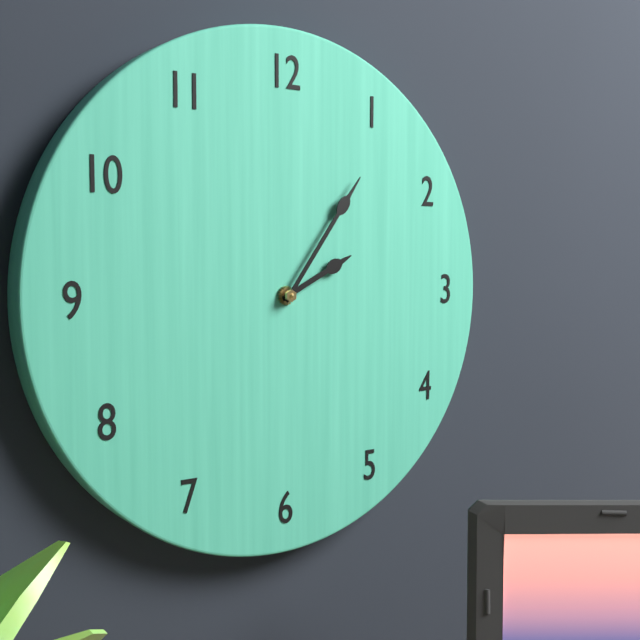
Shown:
2,06
